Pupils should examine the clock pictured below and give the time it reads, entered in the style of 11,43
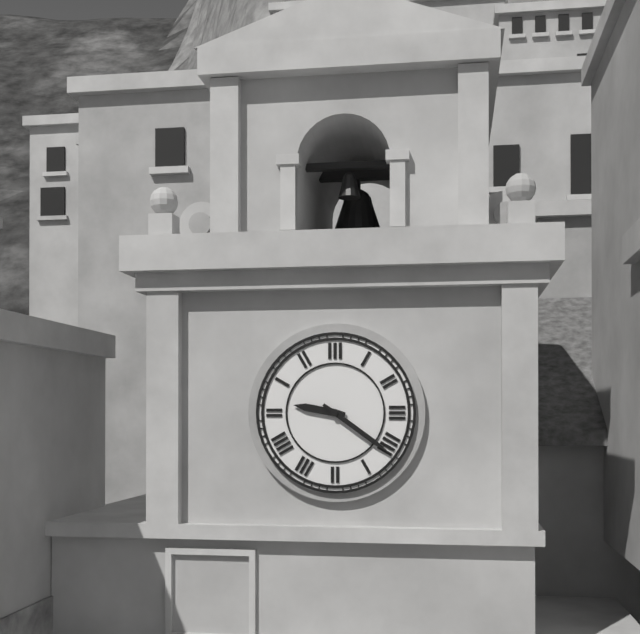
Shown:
9,21
